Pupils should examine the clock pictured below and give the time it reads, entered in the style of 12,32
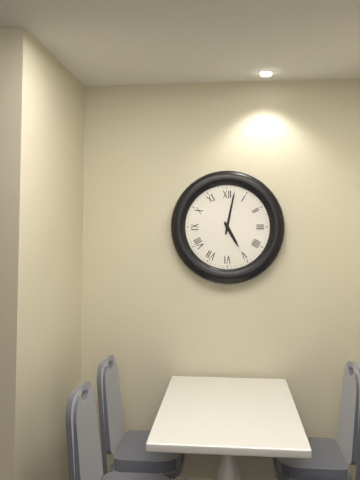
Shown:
5,02
